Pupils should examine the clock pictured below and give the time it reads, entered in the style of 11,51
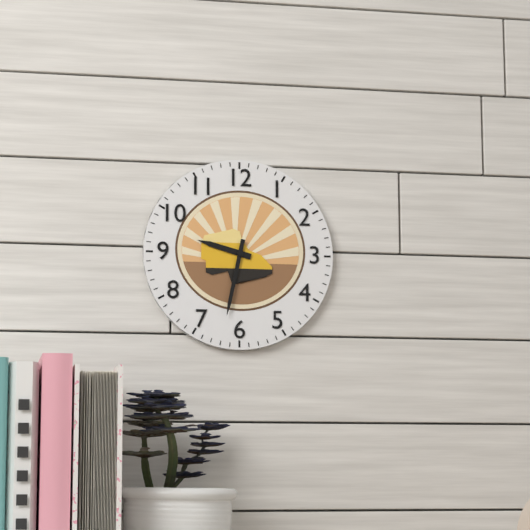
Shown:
9,32
